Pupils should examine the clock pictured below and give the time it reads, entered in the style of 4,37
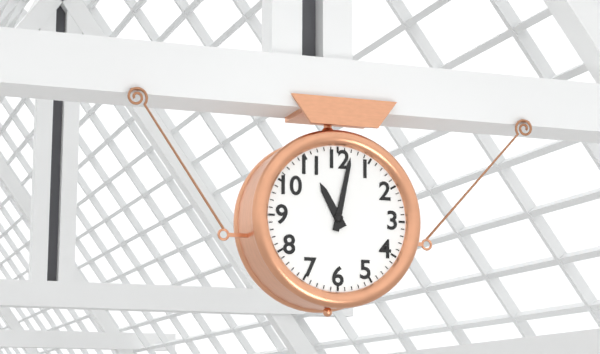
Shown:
11,02
